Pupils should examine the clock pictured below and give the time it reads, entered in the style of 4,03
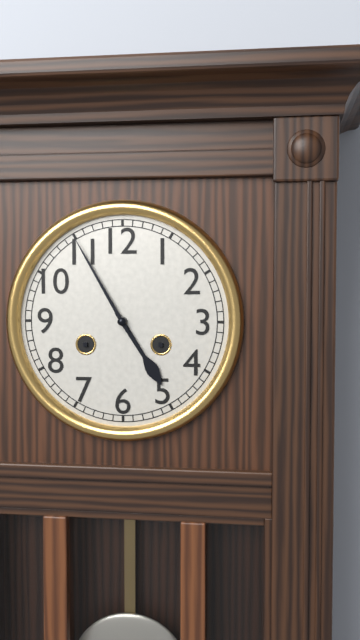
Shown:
4,55
